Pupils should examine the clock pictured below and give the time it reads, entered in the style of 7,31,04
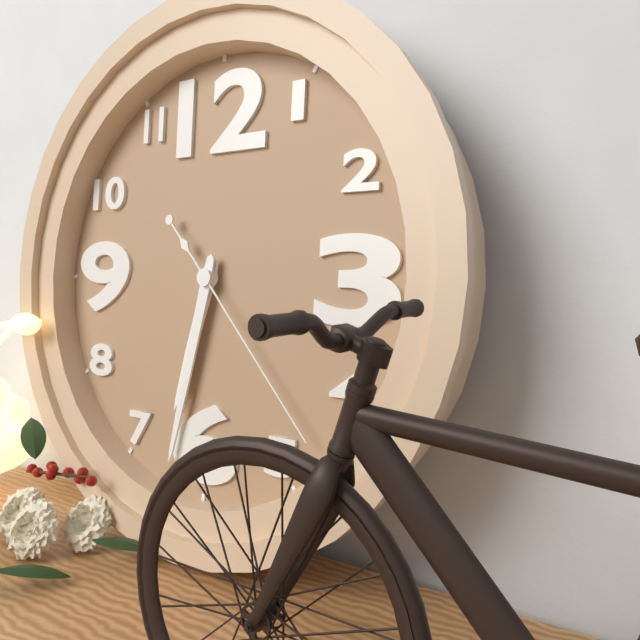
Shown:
6,32,23
